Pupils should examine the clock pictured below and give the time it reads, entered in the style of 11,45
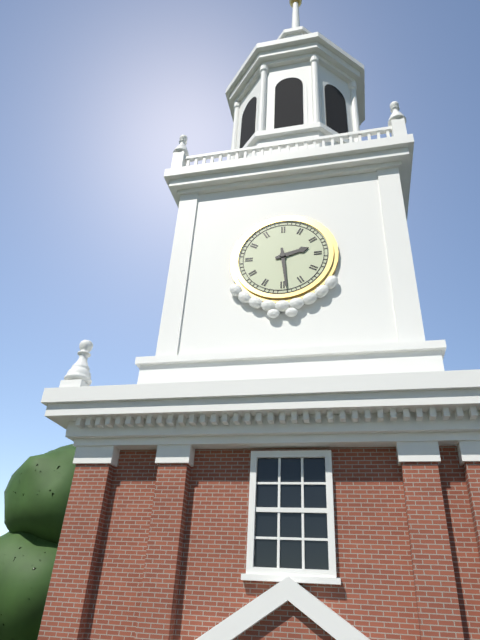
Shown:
2,29
